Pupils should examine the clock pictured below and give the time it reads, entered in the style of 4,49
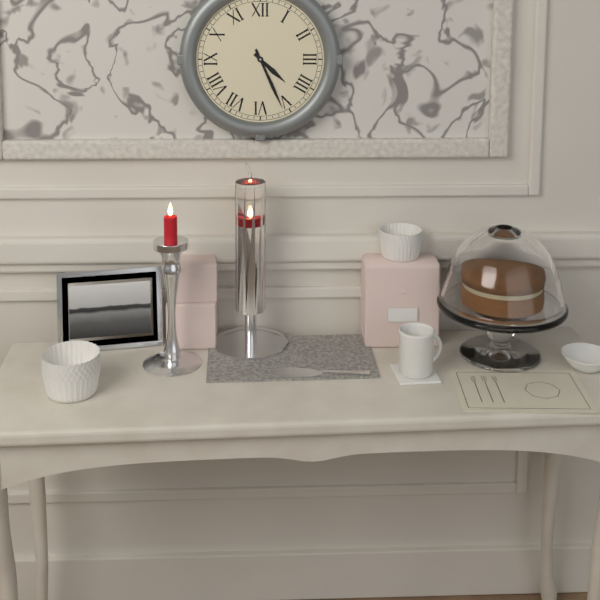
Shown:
4,26
